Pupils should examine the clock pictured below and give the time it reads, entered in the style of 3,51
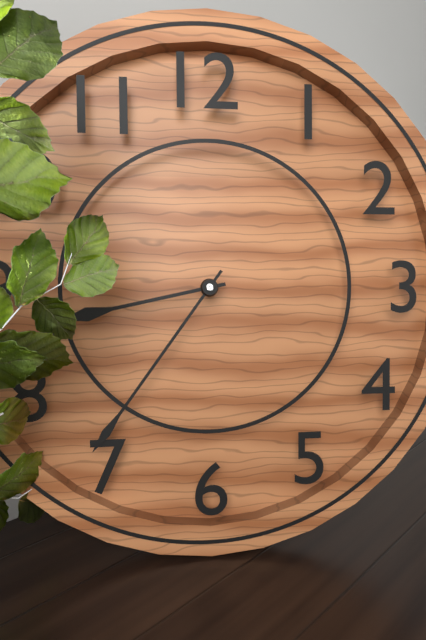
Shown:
8,36
